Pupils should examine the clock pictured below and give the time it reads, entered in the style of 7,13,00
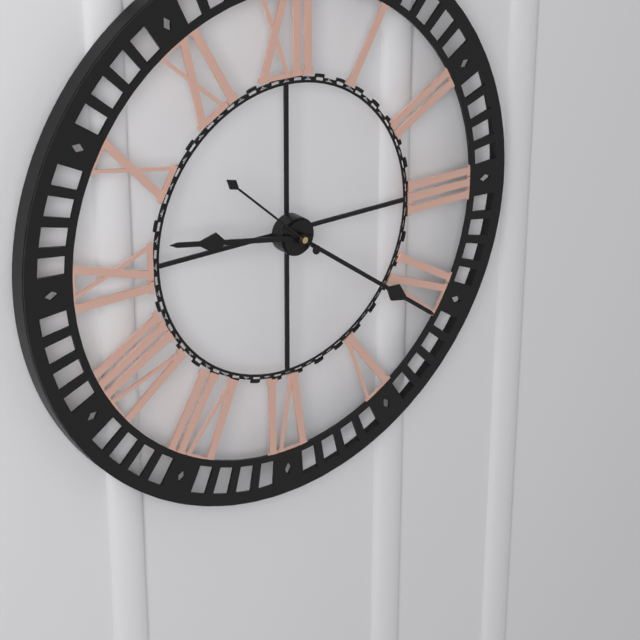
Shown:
9,21,52
